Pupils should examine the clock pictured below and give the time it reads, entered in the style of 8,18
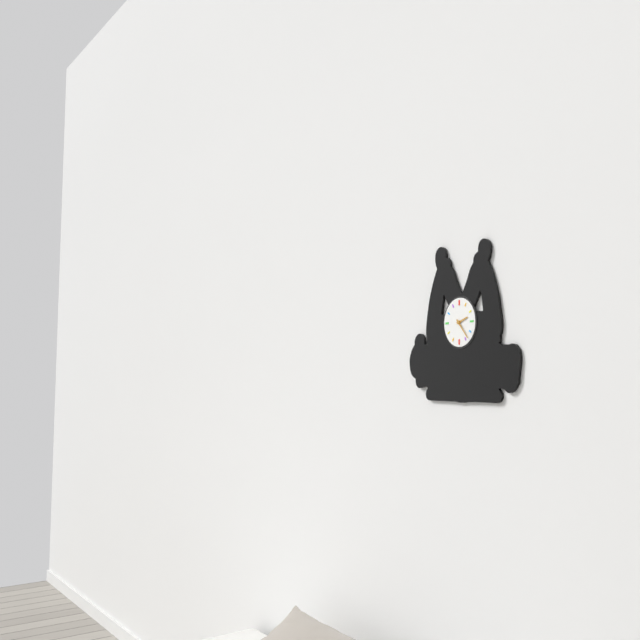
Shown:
2,23
